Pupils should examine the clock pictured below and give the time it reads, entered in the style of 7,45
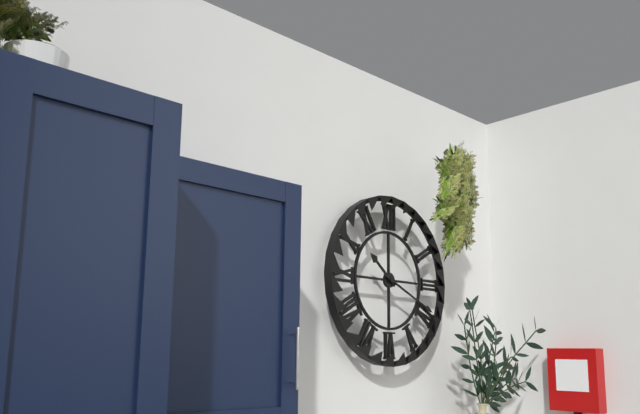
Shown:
10,19
